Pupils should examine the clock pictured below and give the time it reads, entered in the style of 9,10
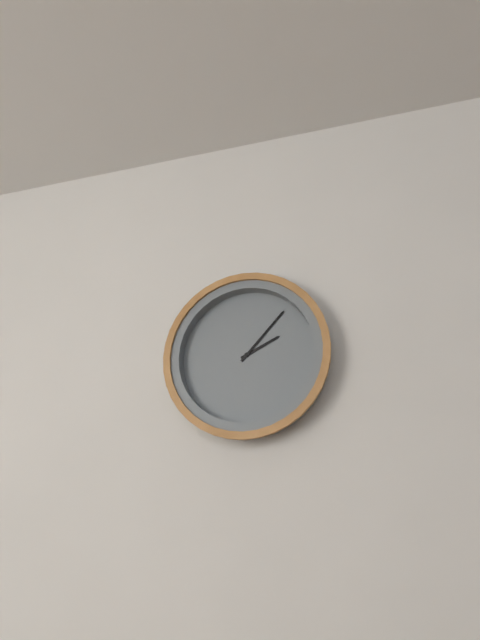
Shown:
2,07
